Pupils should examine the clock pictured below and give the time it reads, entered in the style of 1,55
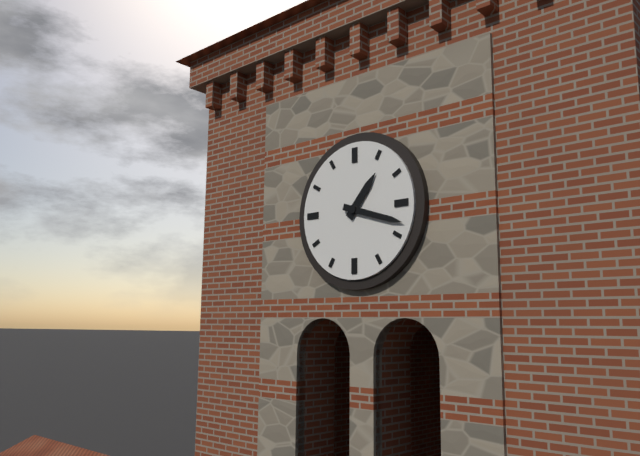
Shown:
1,18
